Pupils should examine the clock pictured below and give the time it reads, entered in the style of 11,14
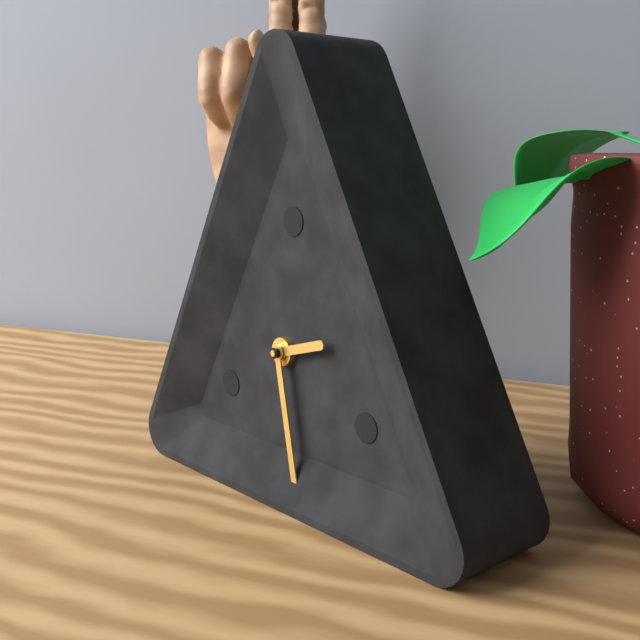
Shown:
2,28
